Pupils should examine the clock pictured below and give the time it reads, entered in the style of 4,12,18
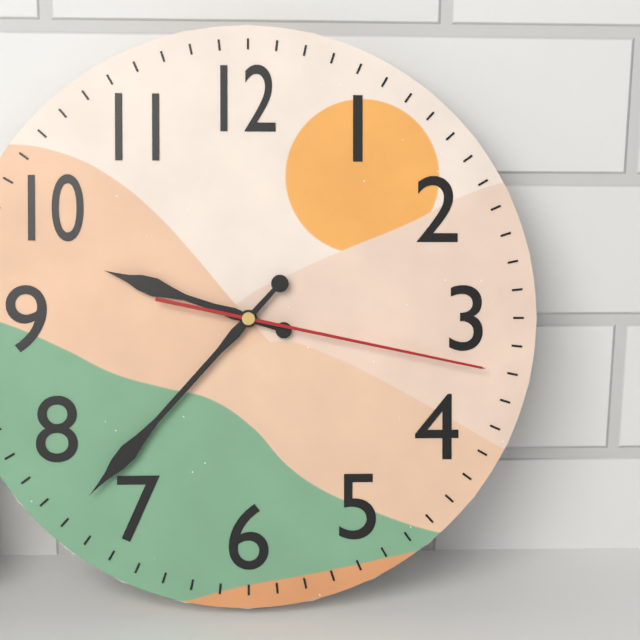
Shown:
9,37,17
